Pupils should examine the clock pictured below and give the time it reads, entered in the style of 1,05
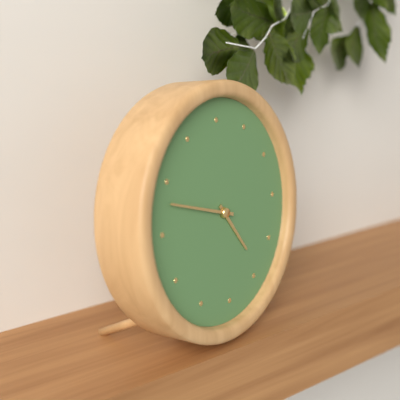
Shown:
4,48
